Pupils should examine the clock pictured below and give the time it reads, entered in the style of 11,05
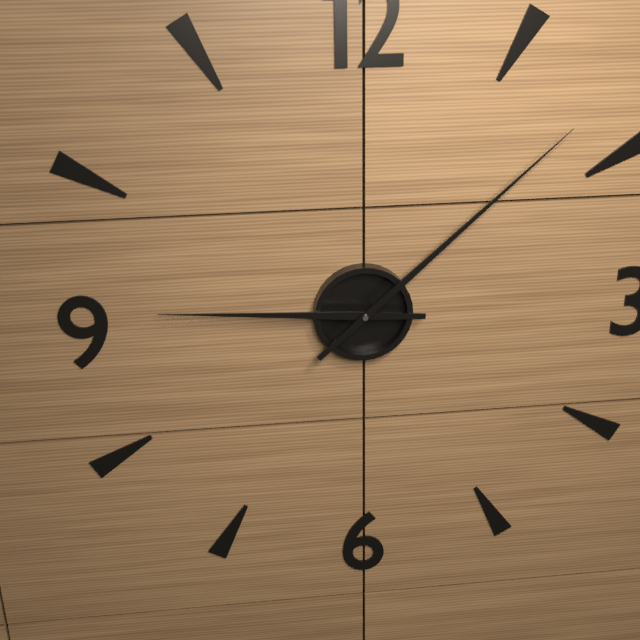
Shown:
9,08
